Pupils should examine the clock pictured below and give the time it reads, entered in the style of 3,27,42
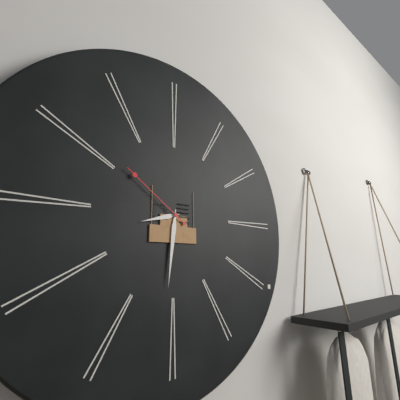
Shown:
8,31,51
